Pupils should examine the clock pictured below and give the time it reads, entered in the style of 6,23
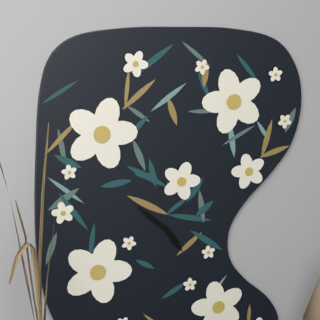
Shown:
4,52
